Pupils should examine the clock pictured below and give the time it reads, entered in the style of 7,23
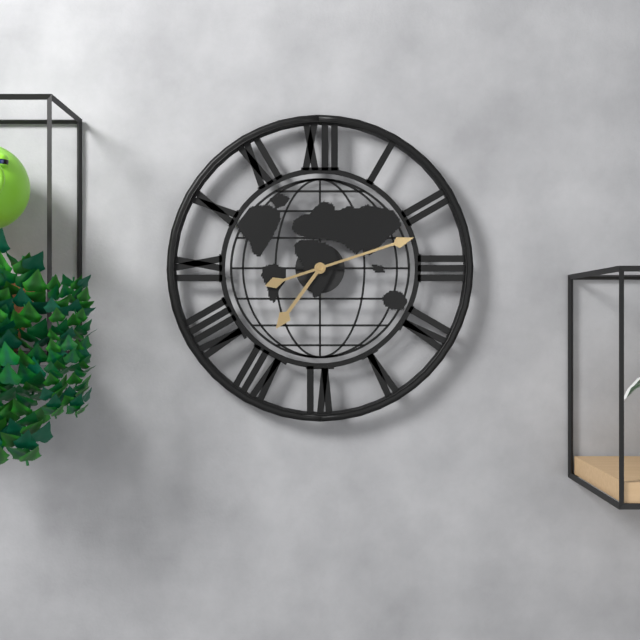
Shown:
7,12
